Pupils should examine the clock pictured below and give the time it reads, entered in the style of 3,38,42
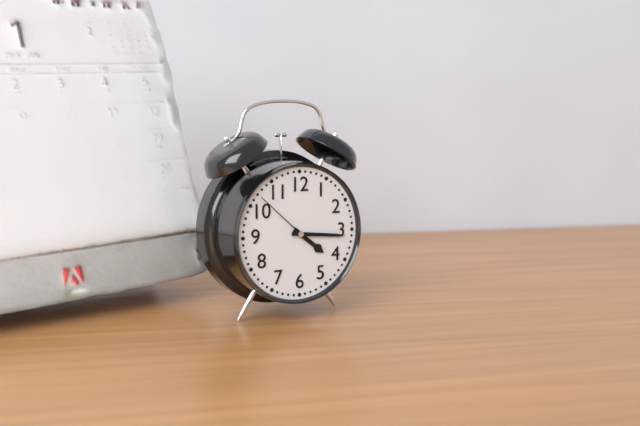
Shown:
4,16,52
